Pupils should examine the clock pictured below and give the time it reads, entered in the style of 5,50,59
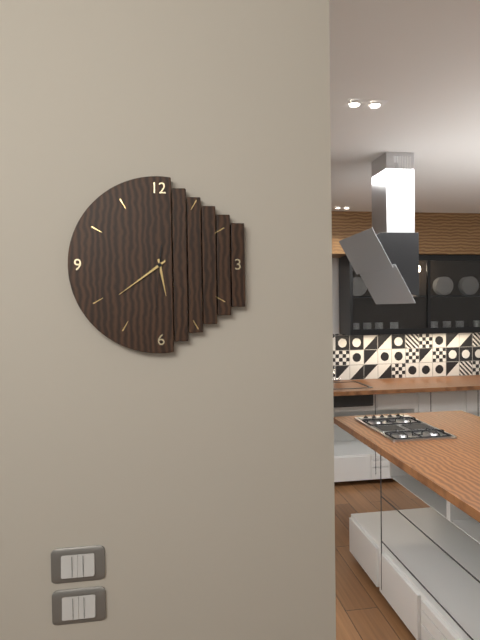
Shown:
5,39,31
